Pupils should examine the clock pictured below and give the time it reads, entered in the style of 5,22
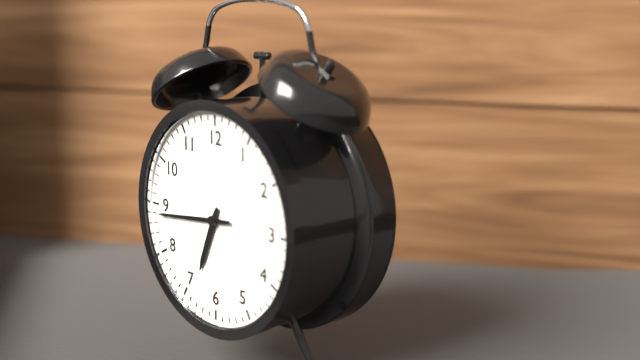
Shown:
6,44
